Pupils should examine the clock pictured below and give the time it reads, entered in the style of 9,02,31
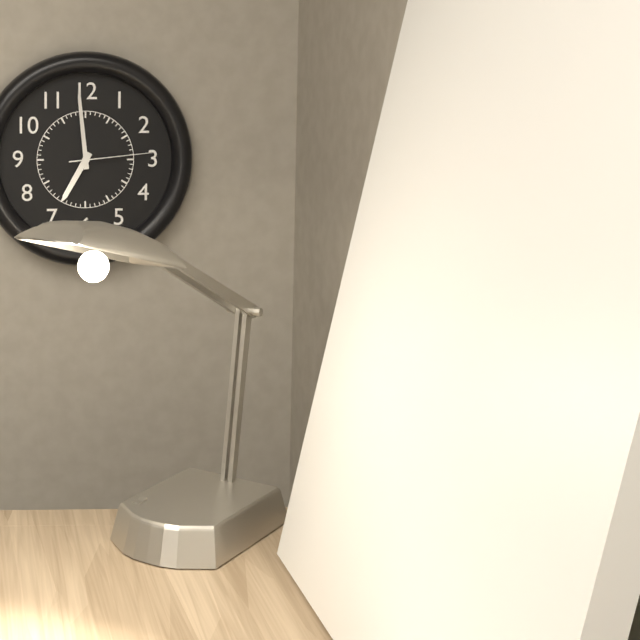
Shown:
6,59,14
